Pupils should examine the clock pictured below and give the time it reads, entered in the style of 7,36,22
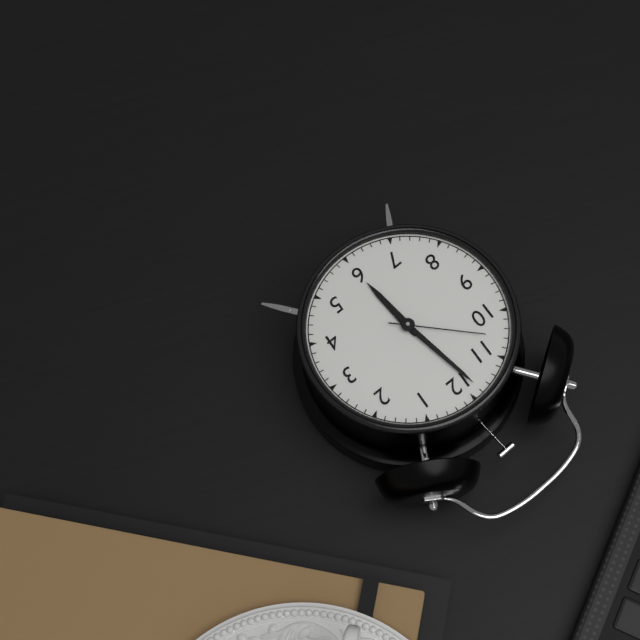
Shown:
5,59,53
